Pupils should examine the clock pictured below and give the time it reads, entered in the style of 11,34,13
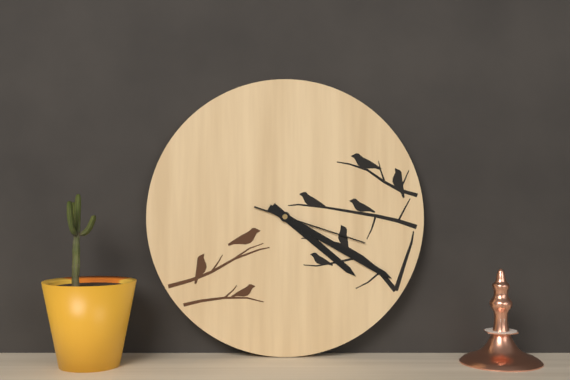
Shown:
4,20,18
